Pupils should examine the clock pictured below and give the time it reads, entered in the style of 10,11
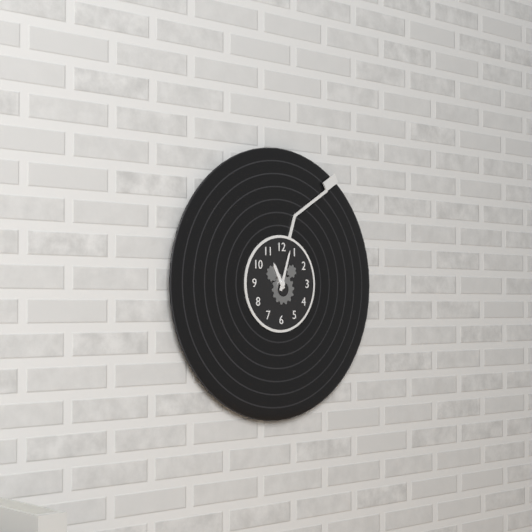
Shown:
11,03
